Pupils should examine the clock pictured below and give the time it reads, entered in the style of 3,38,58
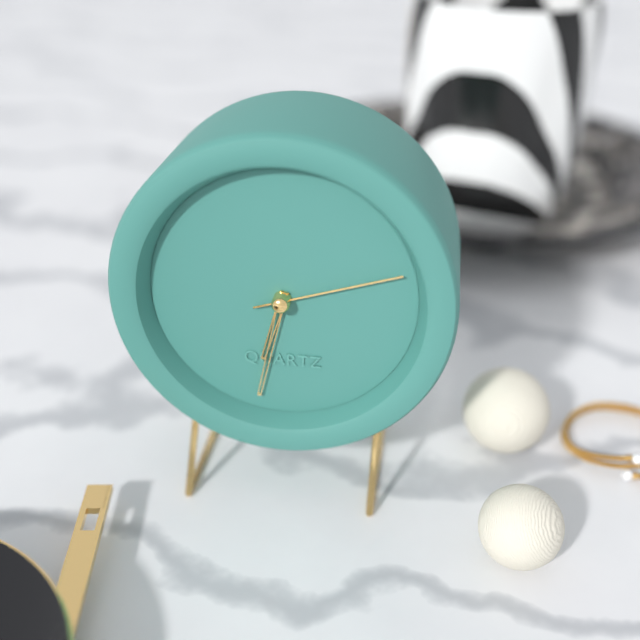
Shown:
6,32,12
